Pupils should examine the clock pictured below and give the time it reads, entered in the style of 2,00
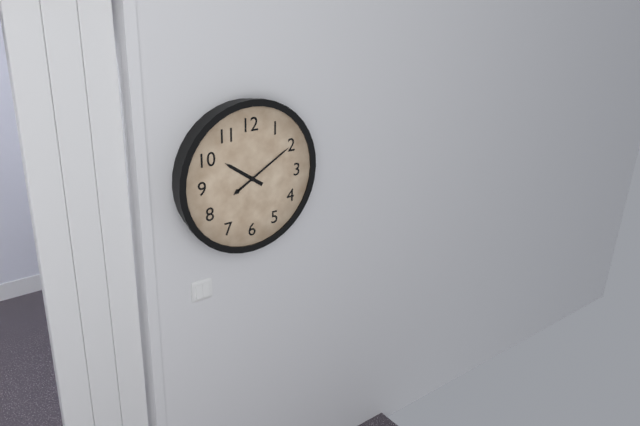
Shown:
10,10
